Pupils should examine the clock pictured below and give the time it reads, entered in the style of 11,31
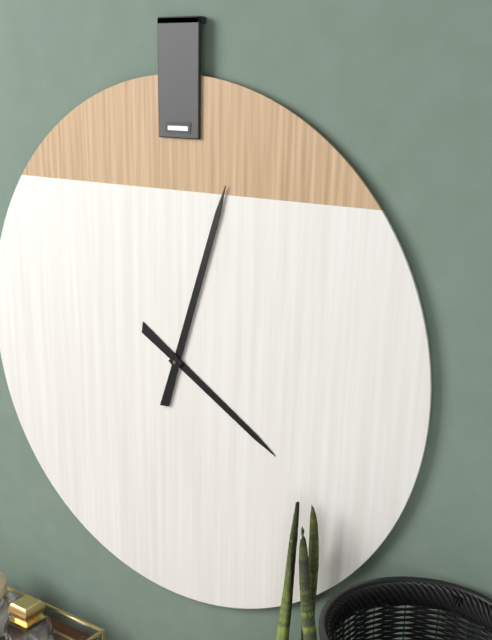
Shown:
4,03
